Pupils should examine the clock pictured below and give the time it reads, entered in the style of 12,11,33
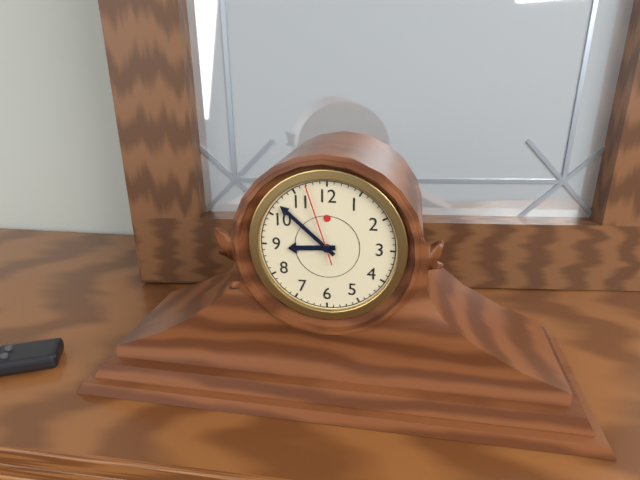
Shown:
8,52,57
